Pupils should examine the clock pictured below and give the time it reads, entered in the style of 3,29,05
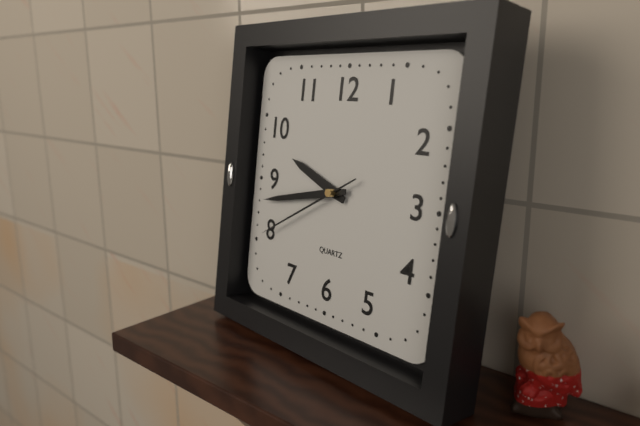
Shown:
9,43,40
